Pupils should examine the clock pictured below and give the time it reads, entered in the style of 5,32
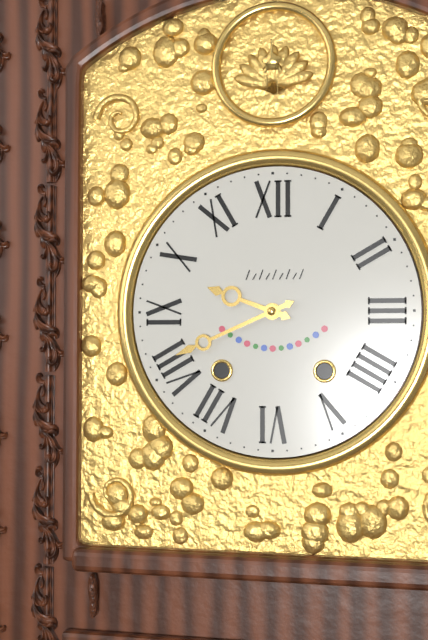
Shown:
9,41
